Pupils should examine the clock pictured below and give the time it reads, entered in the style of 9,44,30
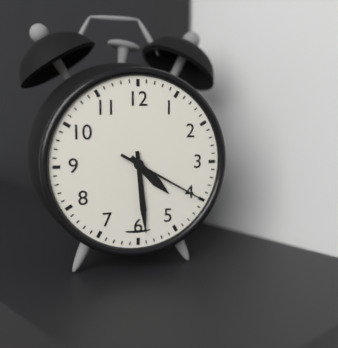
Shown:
4,29,20
